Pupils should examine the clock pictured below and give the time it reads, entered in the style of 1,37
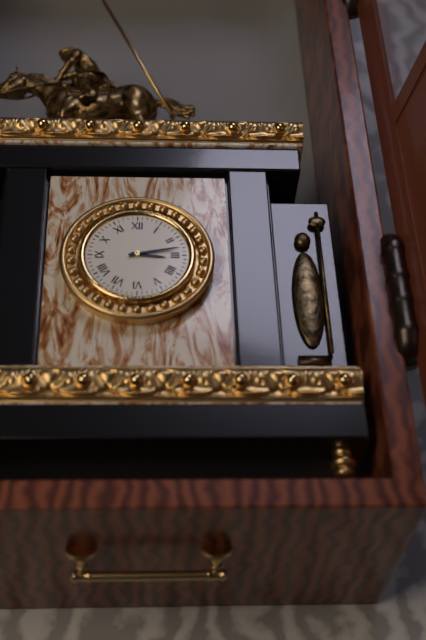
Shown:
3,13
